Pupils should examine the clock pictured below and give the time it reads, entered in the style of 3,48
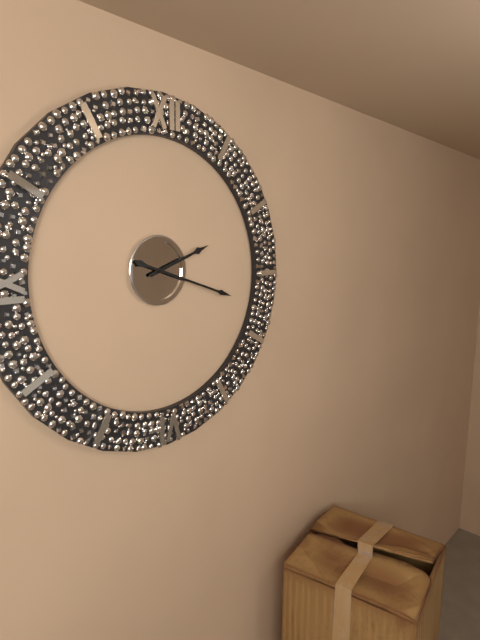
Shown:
2,18
